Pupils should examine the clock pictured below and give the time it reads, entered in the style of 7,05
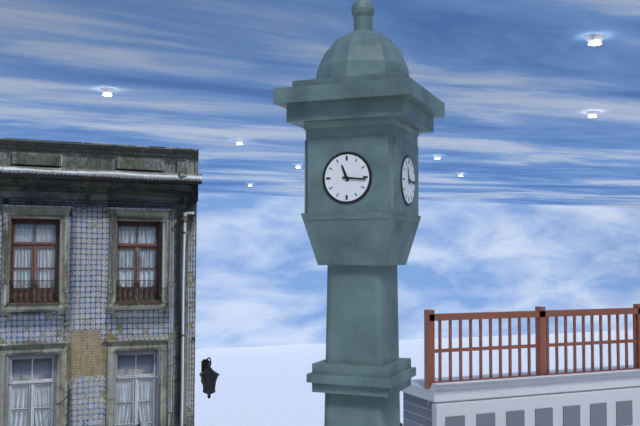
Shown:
11,16
